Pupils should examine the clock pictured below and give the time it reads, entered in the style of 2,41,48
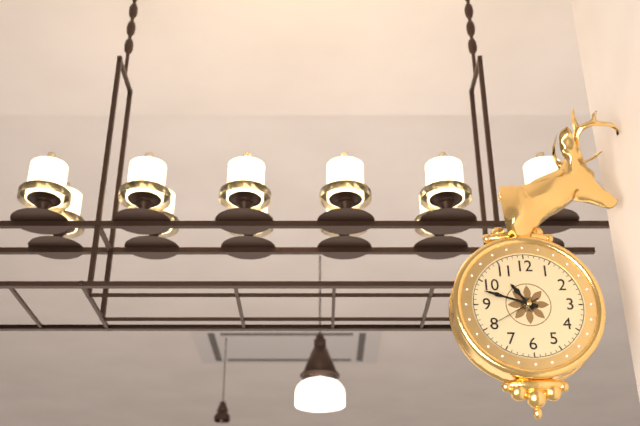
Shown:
10,48,40
